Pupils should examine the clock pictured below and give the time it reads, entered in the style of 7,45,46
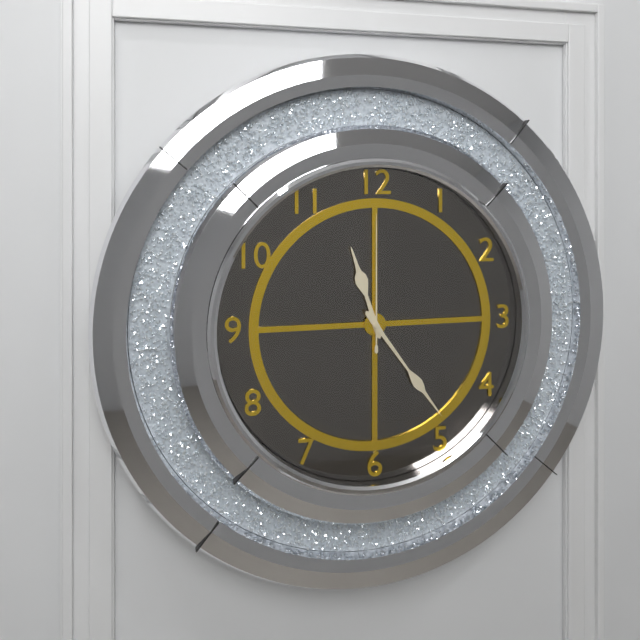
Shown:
11,24,00
